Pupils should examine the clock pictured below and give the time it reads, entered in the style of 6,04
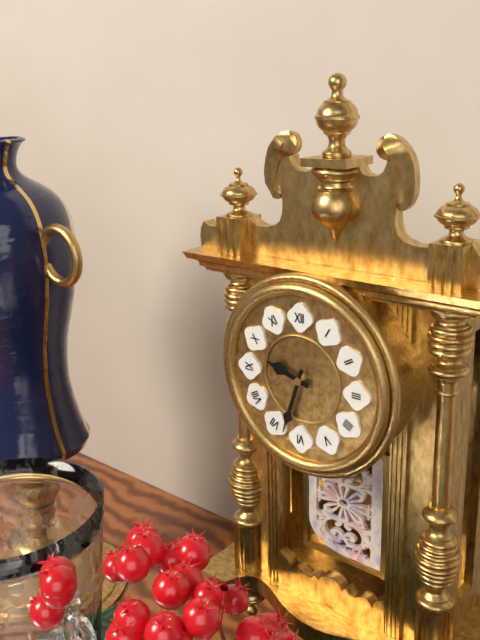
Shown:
9,33
